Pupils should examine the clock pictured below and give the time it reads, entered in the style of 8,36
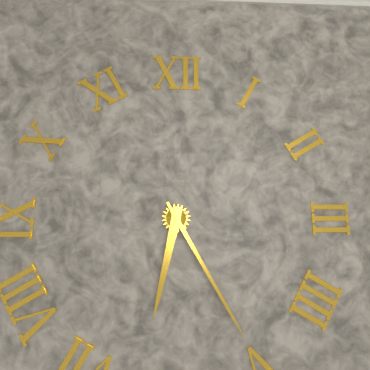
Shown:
6,25
